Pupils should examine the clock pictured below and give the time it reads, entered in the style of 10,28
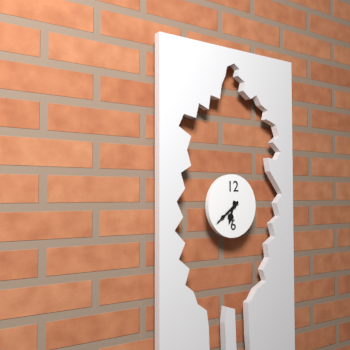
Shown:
6,39
